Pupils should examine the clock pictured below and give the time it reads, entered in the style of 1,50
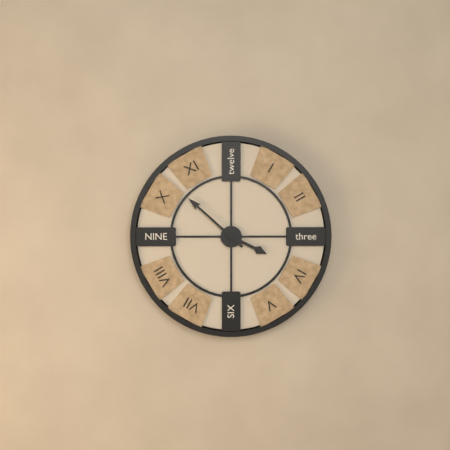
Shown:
3,52
